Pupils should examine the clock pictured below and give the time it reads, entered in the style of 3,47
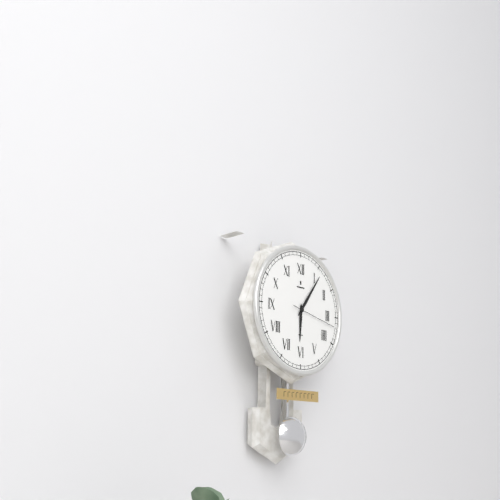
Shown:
6,06
